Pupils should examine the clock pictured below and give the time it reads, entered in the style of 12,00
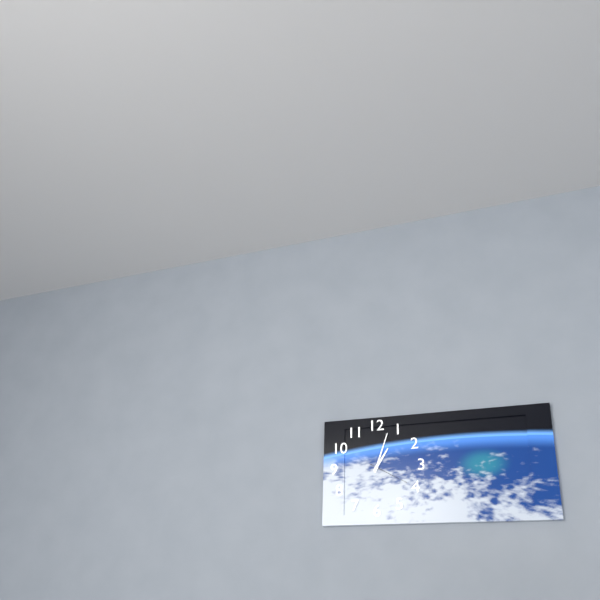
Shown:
1,03
